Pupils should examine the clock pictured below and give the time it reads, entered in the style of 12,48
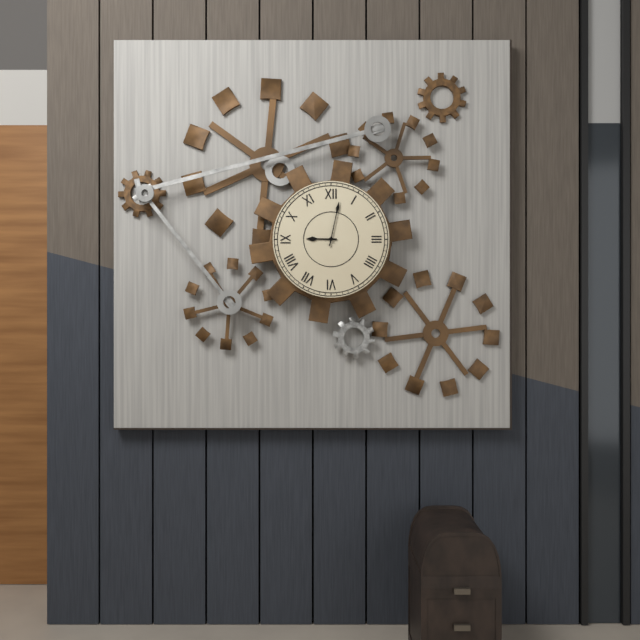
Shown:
9,02
